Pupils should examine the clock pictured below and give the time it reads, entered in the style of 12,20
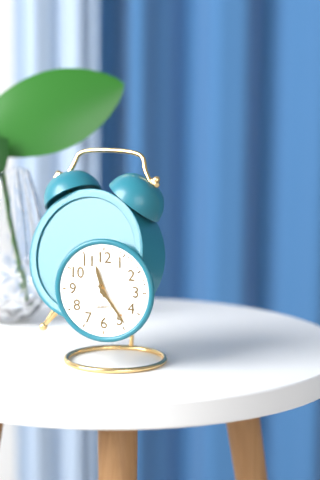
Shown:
11,24
